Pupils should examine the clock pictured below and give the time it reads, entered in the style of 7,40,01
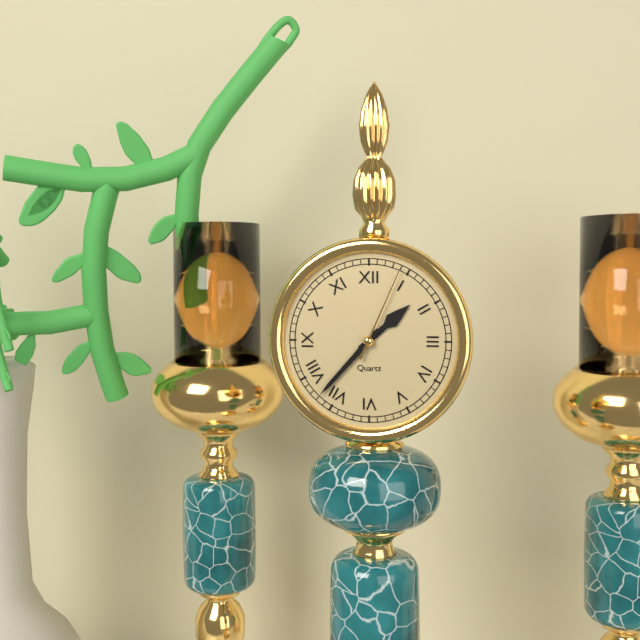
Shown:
1,37,04
